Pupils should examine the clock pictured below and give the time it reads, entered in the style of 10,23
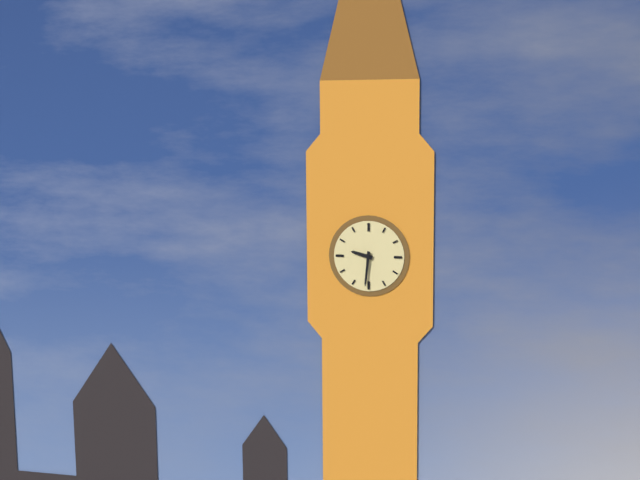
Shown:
9,31
